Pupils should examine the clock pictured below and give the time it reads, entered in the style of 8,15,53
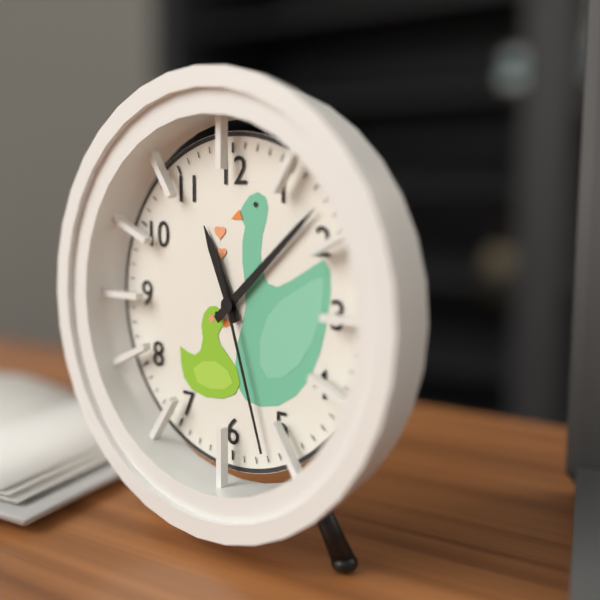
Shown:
11,08,27
